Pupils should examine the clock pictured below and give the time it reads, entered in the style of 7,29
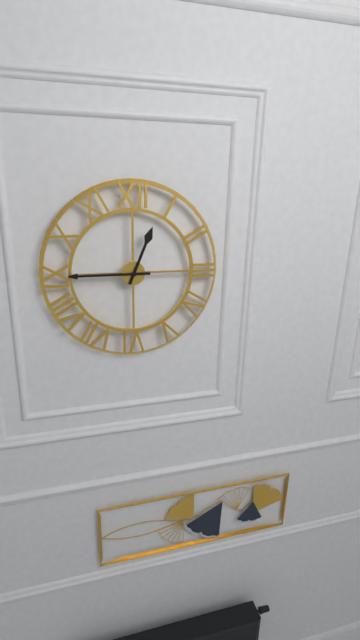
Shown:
12,45
